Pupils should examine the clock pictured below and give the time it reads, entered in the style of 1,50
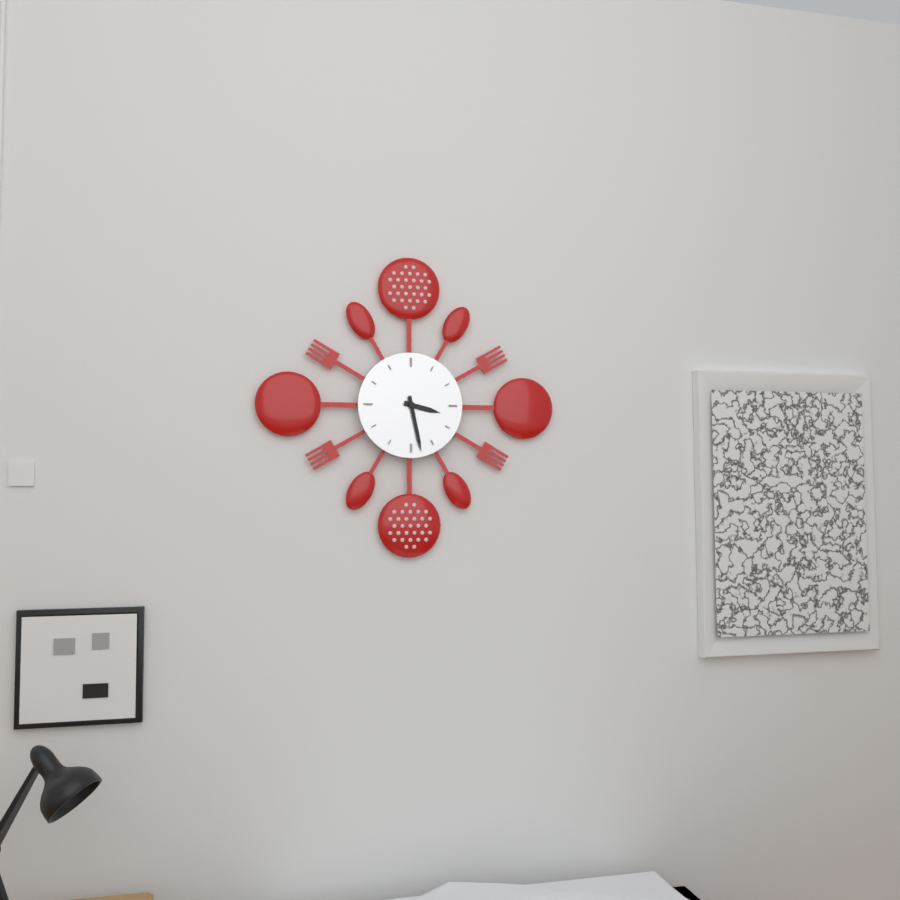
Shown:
3,28
